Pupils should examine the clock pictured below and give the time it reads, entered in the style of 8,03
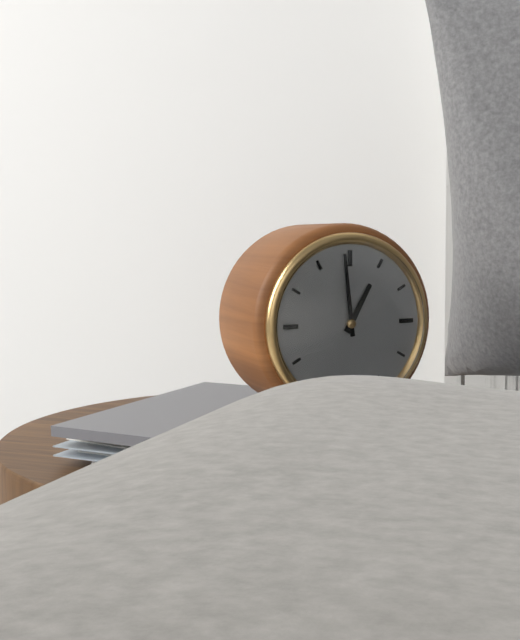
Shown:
12,59
